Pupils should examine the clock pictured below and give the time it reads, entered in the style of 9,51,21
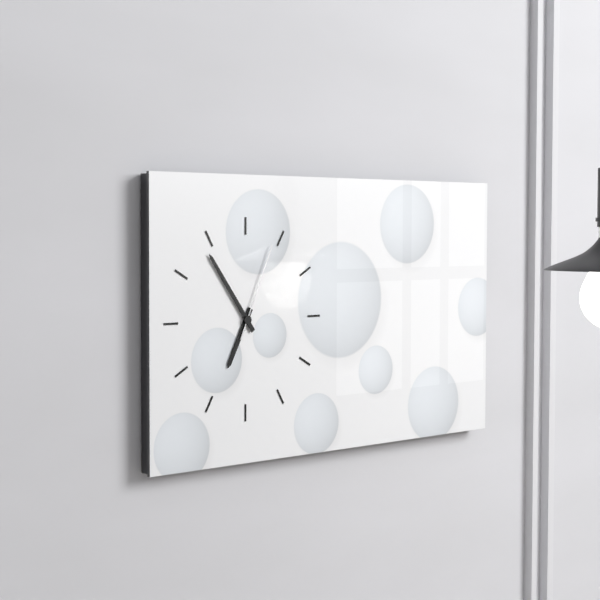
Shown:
6,54,04
